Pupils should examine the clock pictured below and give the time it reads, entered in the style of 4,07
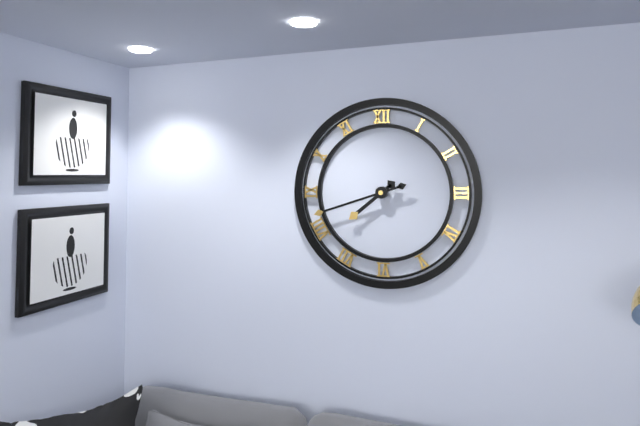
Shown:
7,42
